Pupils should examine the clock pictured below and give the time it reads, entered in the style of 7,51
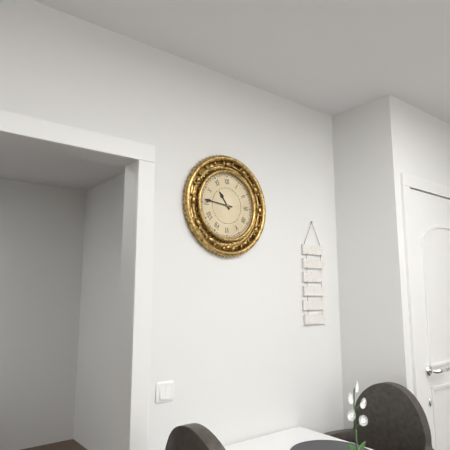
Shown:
10,46
